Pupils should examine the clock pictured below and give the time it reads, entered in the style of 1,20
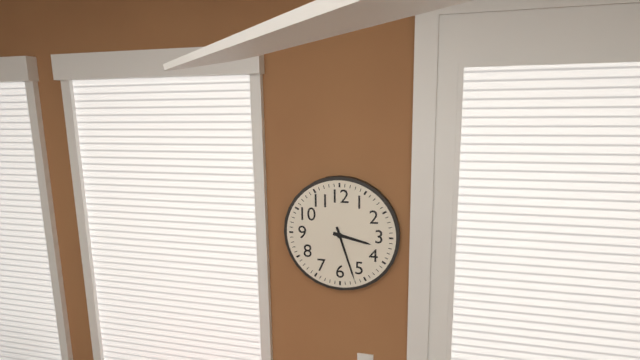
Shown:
3,27
